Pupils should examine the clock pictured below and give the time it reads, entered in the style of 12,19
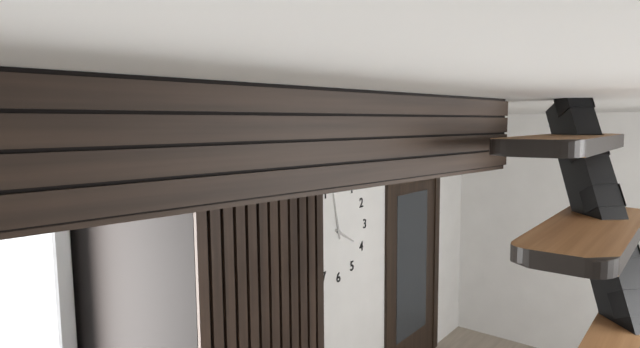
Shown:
3,58
